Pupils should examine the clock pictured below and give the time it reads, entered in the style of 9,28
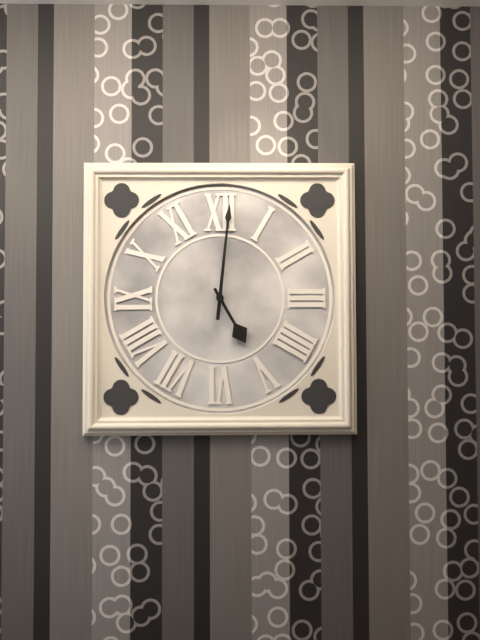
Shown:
5,01
